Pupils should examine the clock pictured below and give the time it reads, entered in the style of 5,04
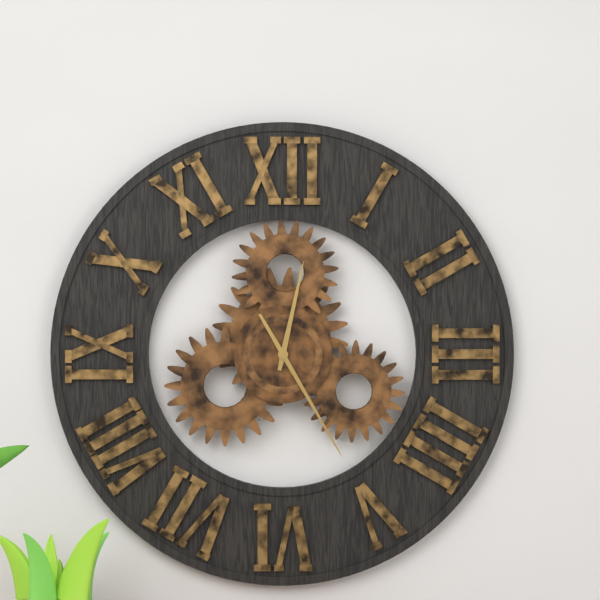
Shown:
12,25
